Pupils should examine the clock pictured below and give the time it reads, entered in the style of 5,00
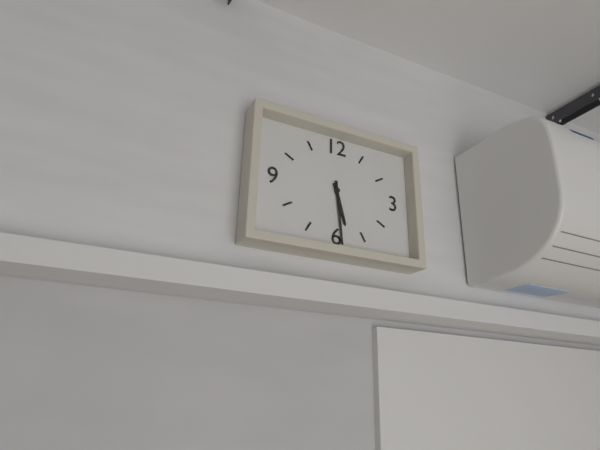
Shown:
5,29
